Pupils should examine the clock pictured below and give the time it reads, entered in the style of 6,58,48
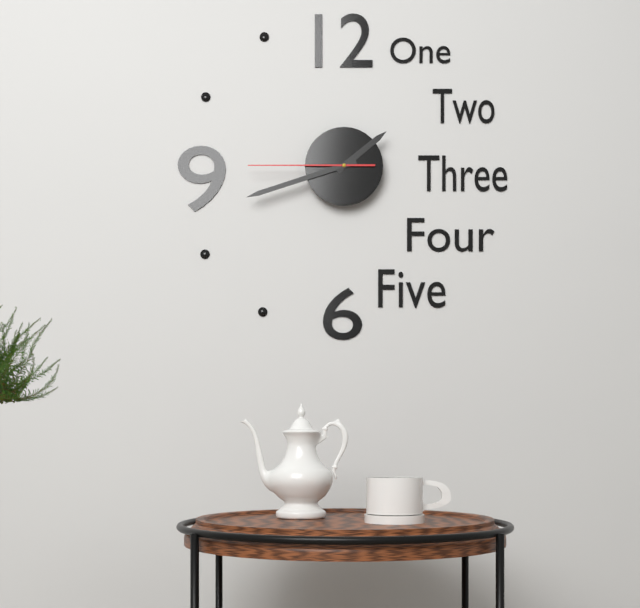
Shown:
1,42,45
